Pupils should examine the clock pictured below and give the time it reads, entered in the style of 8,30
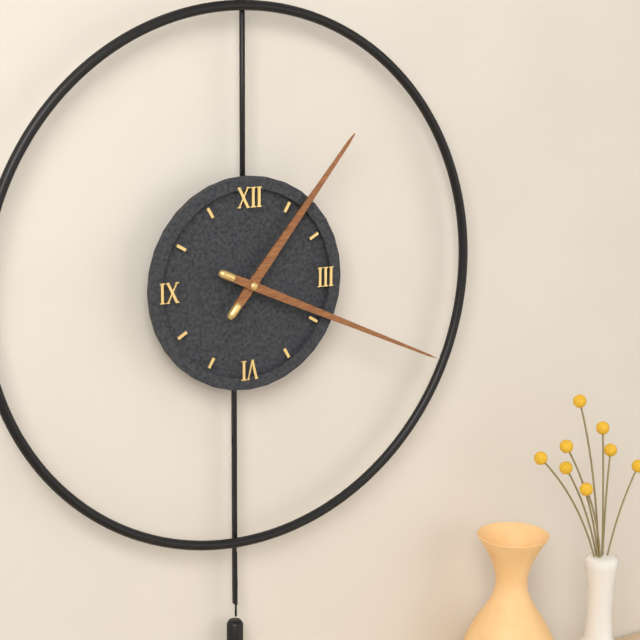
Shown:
1,19
